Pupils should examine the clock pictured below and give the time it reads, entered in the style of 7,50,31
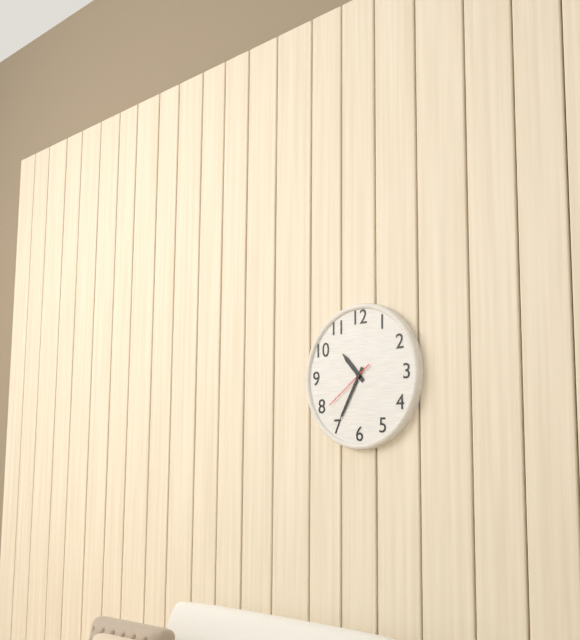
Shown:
10,35,39
